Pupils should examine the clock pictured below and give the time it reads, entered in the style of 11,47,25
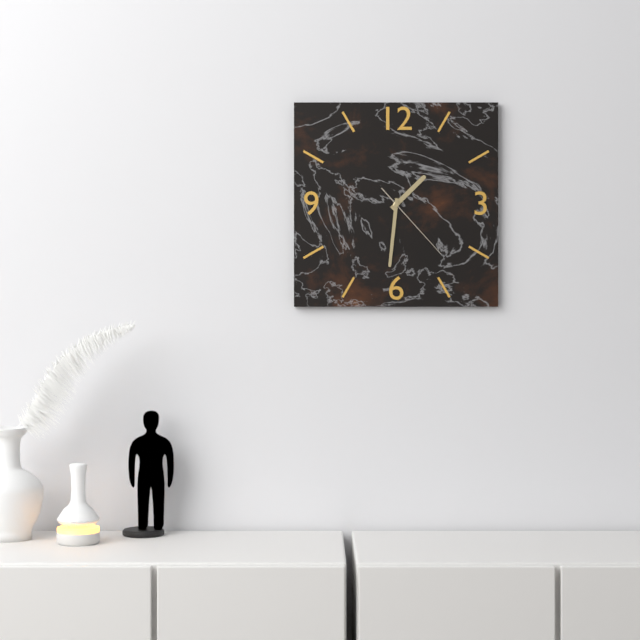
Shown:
1,31,23
